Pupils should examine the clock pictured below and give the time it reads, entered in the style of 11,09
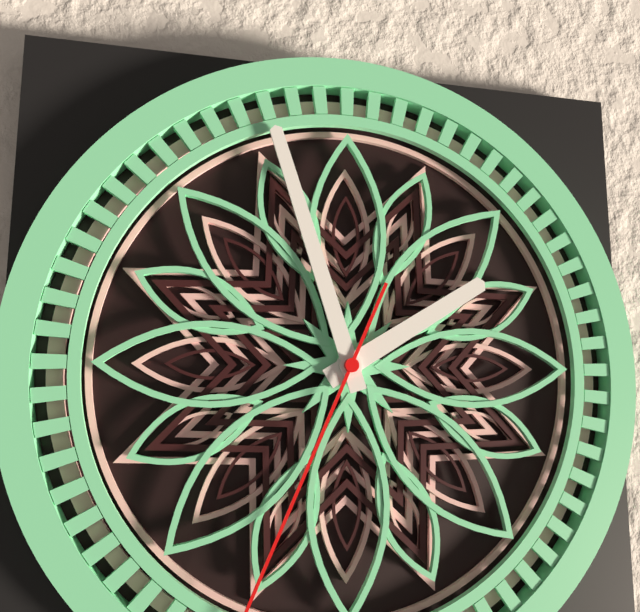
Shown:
1,57
